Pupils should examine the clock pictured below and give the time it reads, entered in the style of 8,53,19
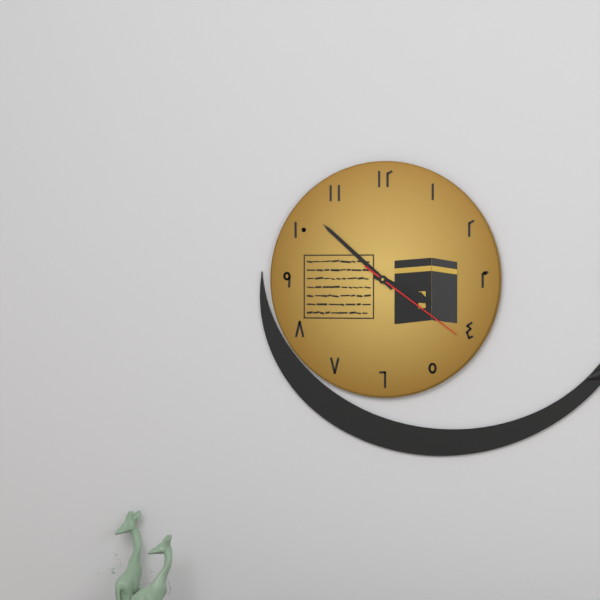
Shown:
3,52,21
